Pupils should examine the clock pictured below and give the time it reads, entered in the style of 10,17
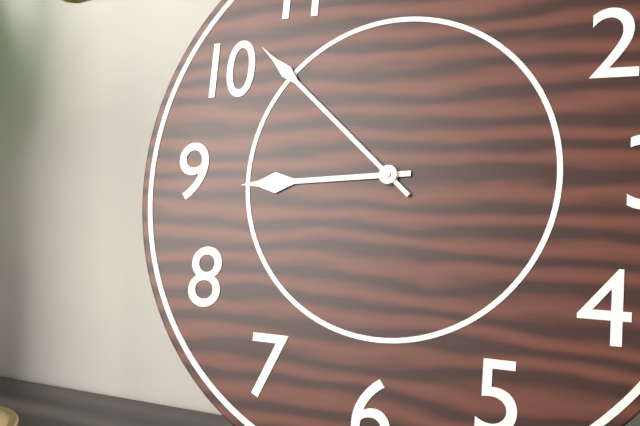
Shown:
8,52
